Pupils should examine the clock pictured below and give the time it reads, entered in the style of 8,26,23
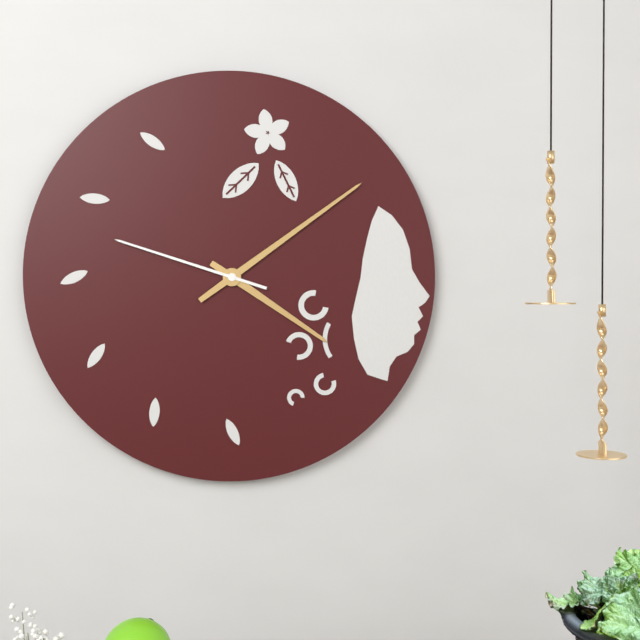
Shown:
4,09,48
